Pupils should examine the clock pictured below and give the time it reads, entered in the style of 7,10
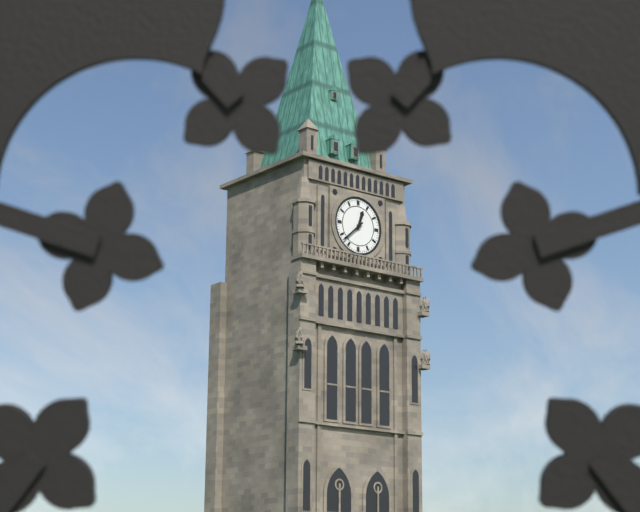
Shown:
12,38
